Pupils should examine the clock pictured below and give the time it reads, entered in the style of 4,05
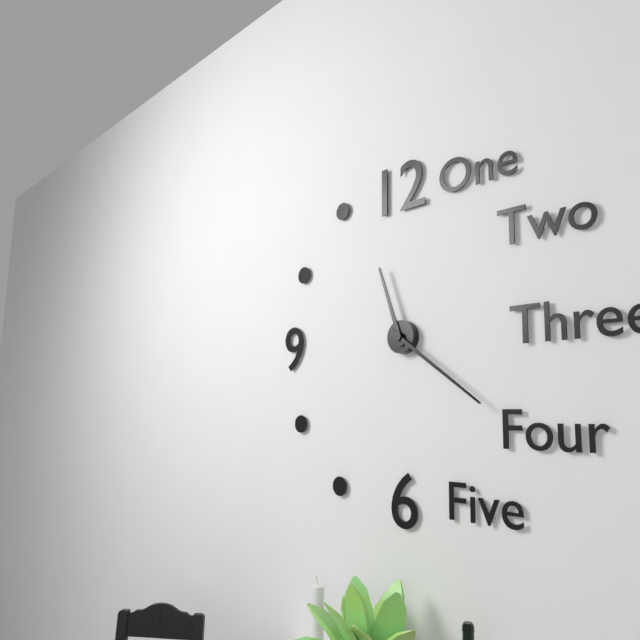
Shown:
11,21
